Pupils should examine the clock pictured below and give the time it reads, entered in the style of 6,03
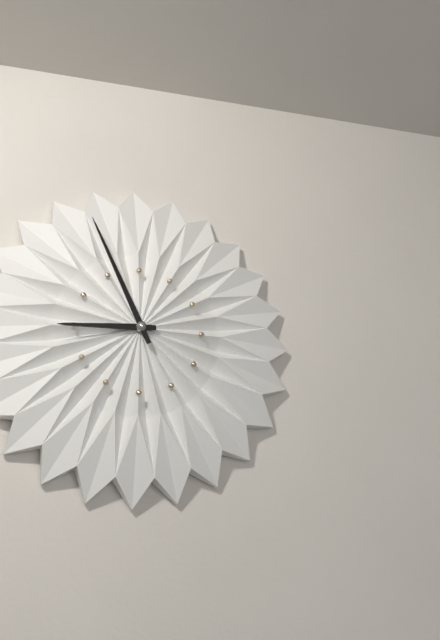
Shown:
8,56
